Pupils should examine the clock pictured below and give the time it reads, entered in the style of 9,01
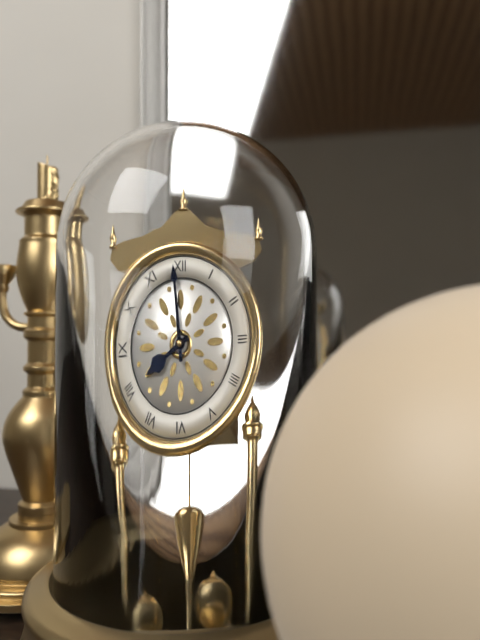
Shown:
7,59
